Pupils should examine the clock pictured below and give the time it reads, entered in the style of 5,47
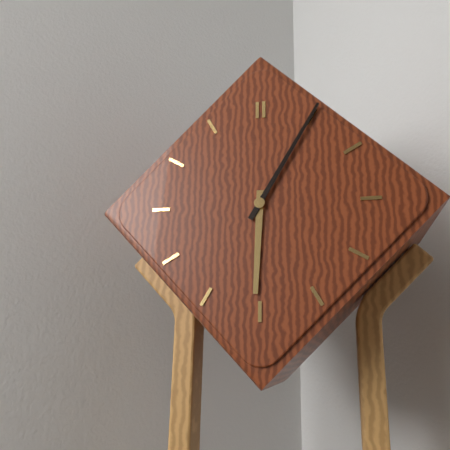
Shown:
6,05
